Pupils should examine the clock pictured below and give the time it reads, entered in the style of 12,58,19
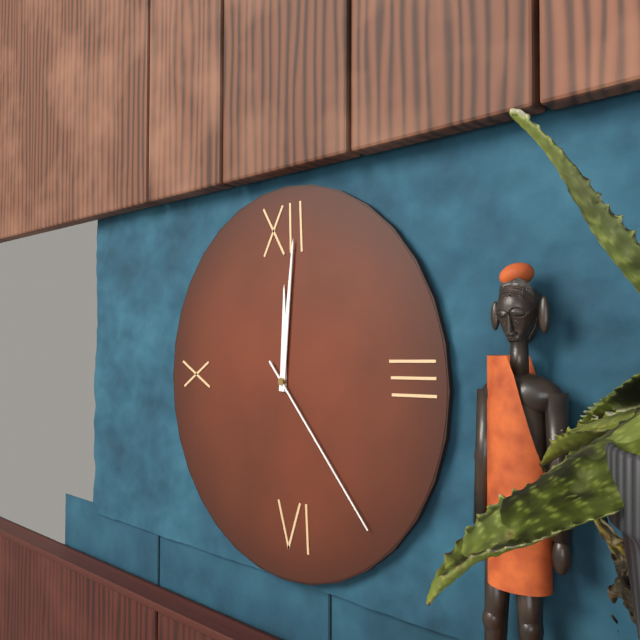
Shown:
12,01,23
